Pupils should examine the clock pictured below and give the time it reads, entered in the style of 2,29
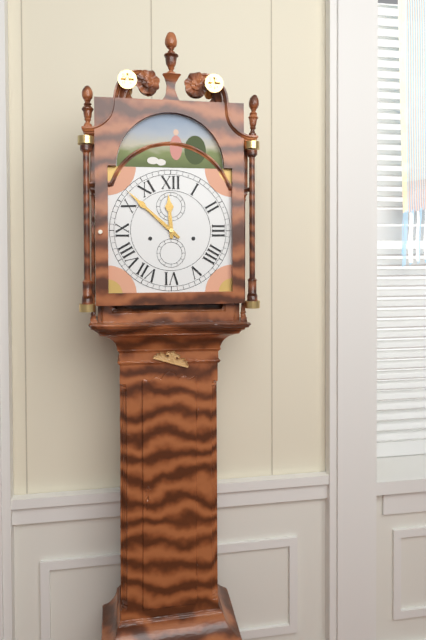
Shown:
11,52
